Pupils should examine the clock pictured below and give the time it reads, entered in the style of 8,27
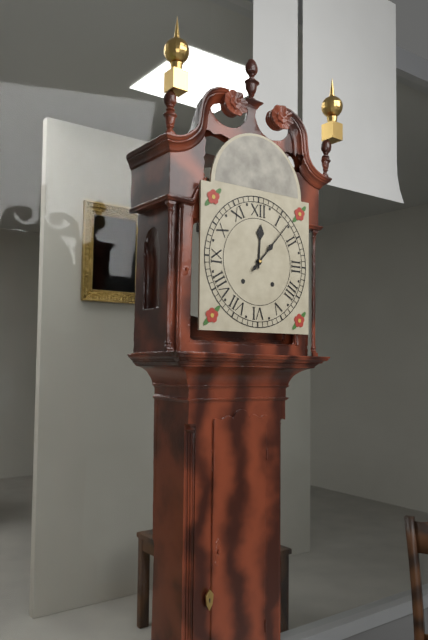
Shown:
12,07
